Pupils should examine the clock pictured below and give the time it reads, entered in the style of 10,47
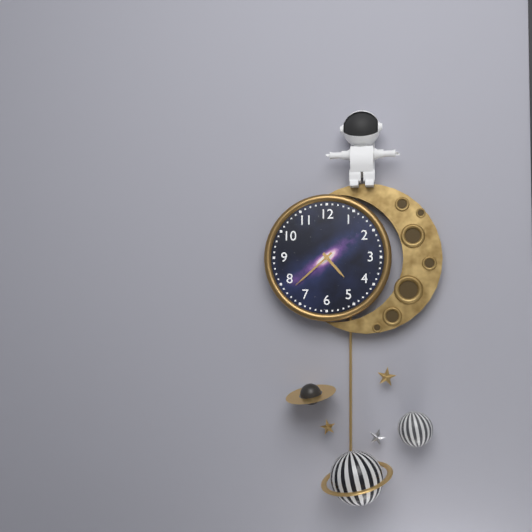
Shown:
4,38
